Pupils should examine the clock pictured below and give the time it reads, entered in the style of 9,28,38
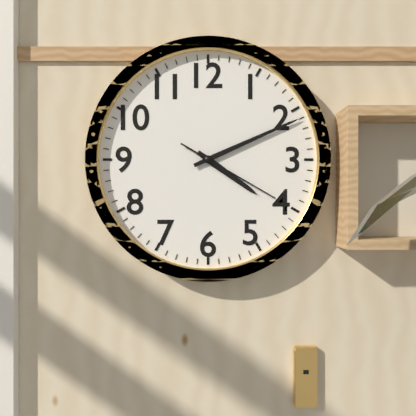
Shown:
4,11,20
